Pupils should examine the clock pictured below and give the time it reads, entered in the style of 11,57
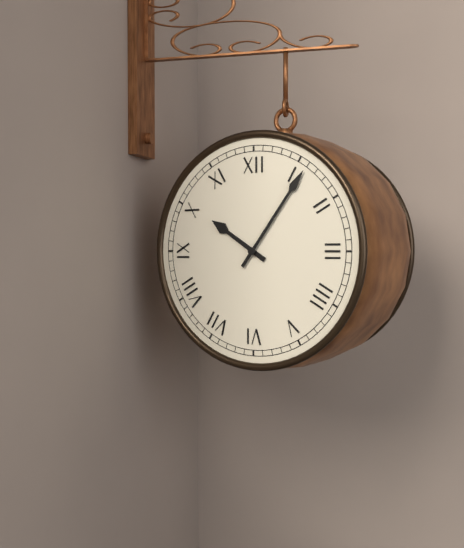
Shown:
10,06
